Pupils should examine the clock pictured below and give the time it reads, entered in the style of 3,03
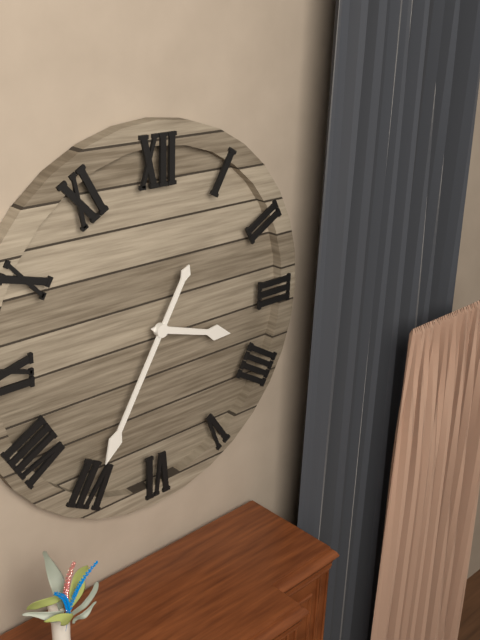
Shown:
3,35
